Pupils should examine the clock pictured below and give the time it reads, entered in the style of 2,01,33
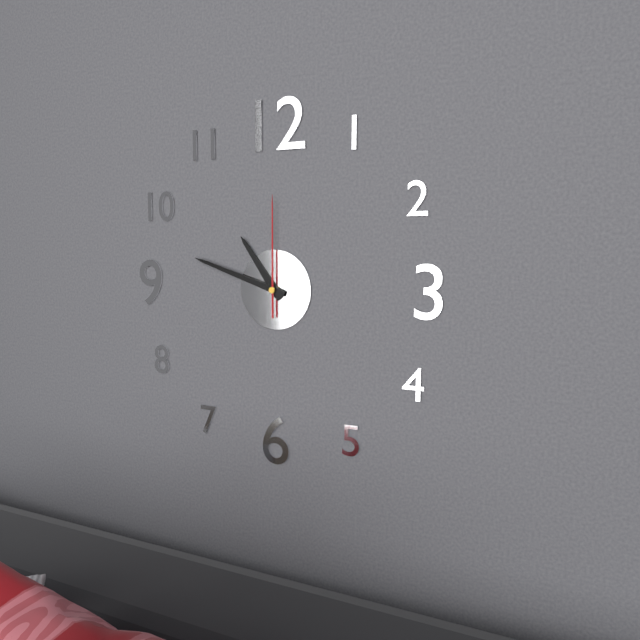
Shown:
10,48,00
